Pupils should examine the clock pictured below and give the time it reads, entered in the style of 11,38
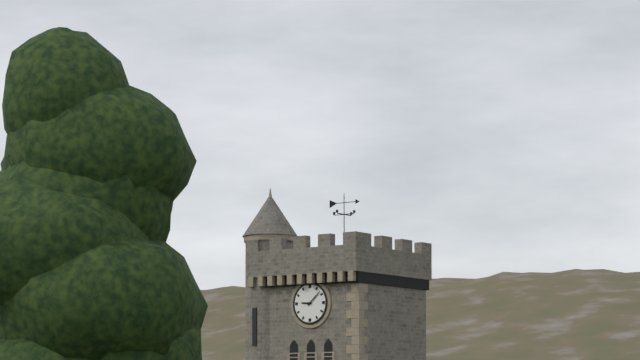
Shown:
9,08
